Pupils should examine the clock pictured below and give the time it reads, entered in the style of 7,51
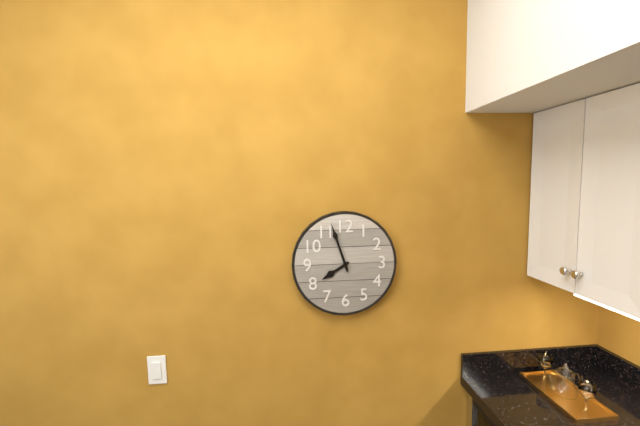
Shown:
7,57
